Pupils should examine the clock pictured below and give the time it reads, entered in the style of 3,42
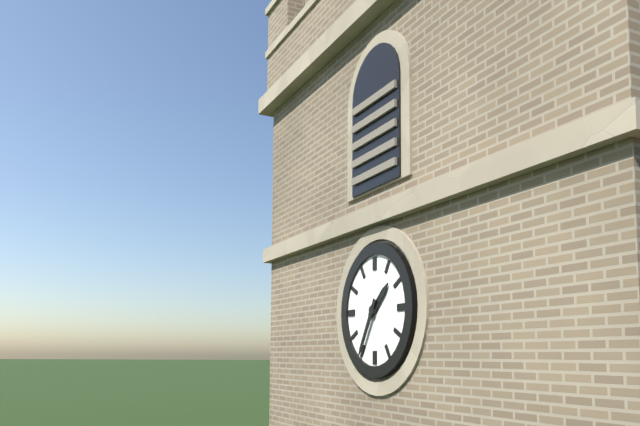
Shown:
1,35
